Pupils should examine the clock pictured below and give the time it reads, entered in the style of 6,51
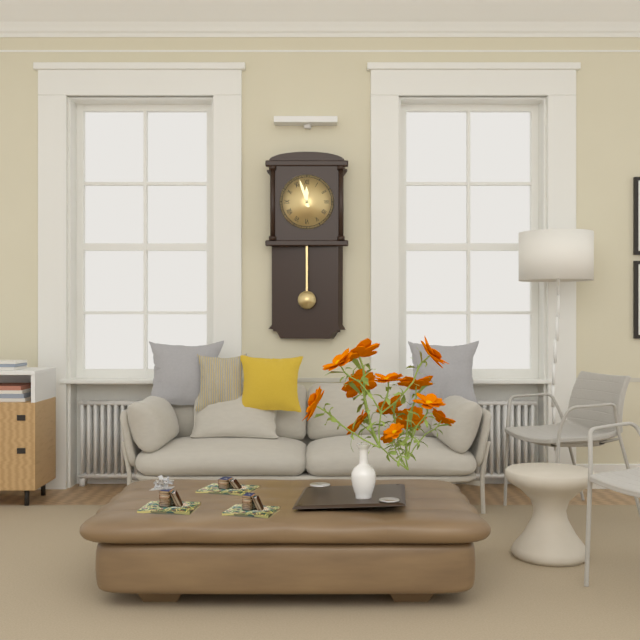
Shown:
11,57
